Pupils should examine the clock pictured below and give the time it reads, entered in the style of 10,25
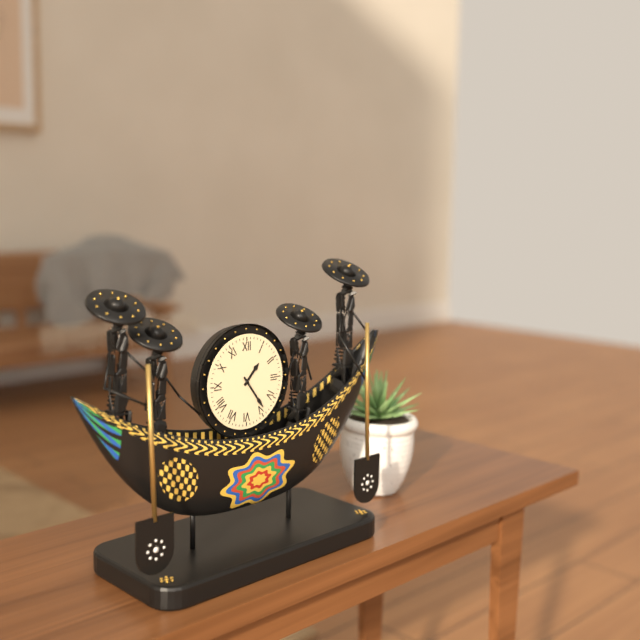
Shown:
1,24
